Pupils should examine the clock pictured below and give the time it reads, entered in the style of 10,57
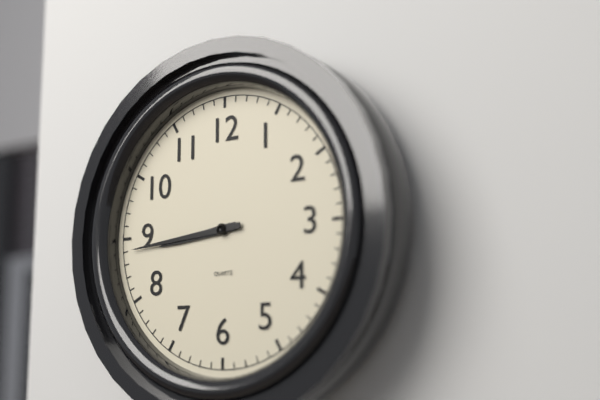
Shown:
8,44
